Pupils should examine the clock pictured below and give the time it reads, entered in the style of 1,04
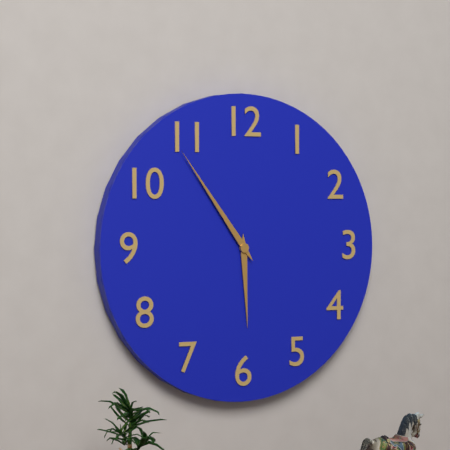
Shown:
5,54
